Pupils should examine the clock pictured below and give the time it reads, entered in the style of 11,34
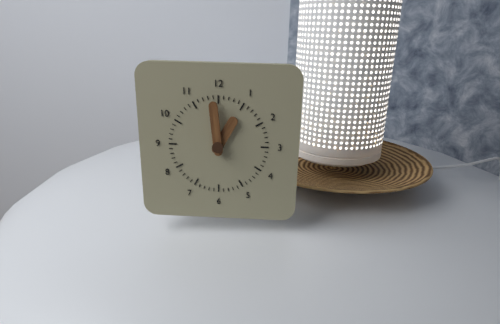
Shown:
12,59
